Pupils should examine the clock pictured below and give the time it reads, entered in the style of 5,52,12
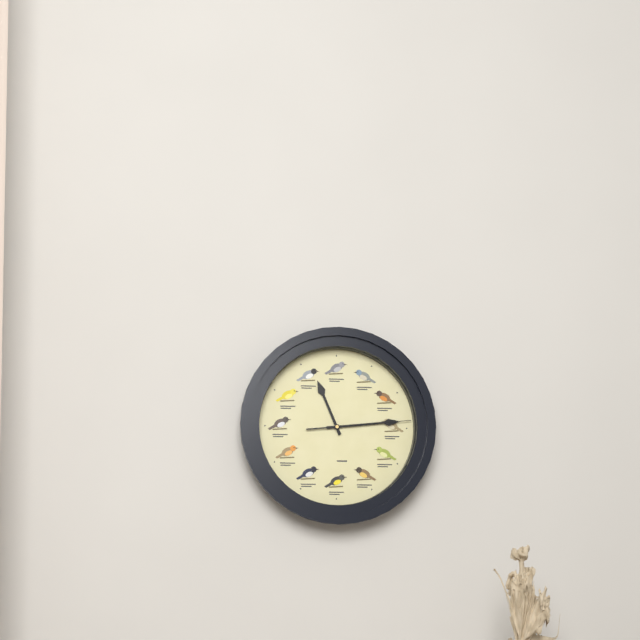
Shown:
11,14,14
